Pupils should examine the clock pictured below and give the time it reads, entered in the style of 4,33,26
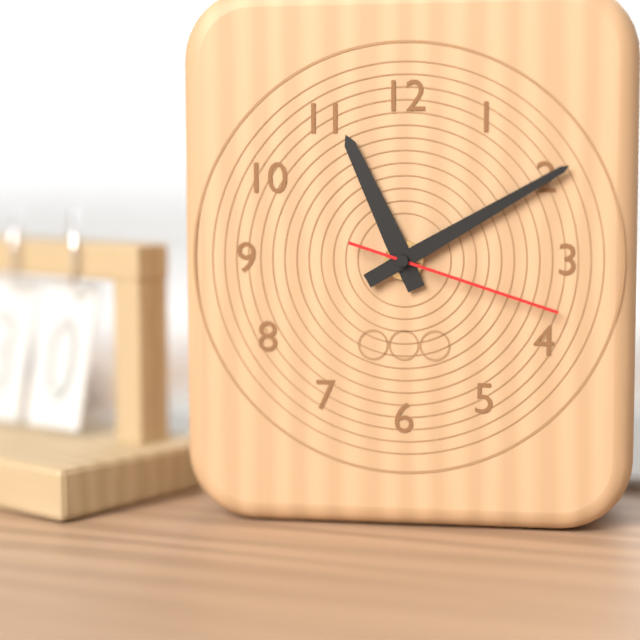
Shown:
11,10,18
